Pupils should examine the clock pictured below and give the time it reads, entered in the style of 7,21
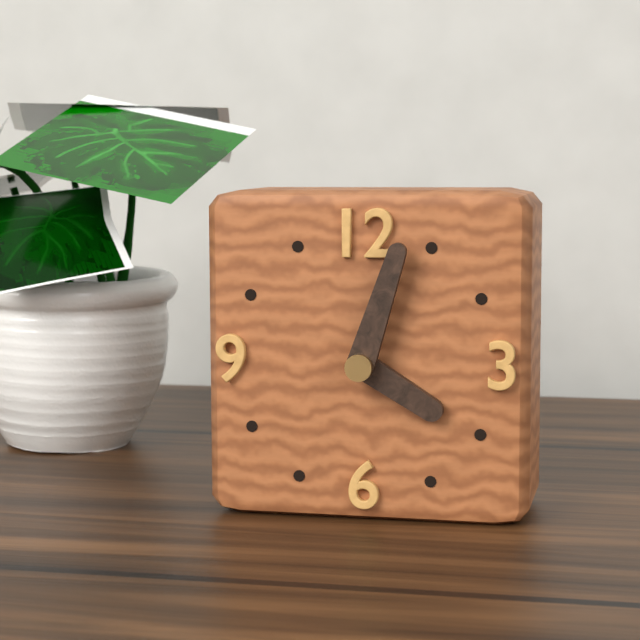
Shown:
4,03
